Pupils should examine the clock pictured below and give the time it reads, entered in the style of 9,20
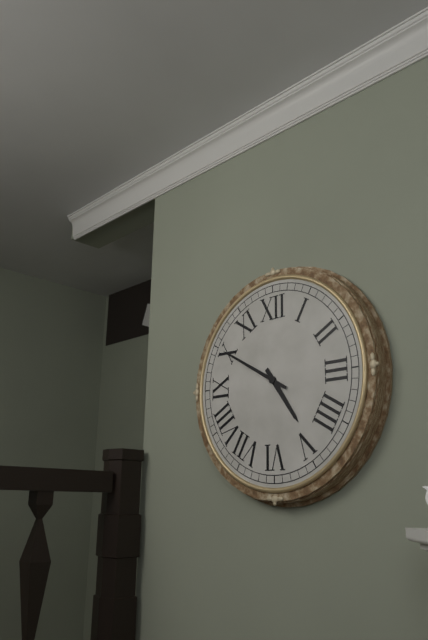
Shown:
4,50
